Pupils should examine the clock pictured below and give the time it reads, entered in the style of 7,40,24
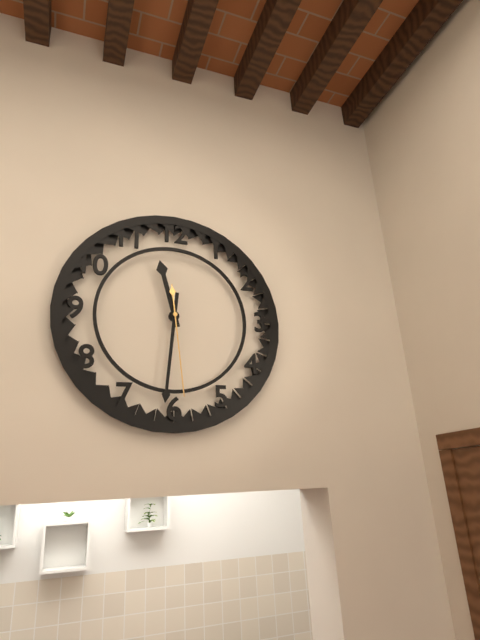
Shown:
11,31,29
